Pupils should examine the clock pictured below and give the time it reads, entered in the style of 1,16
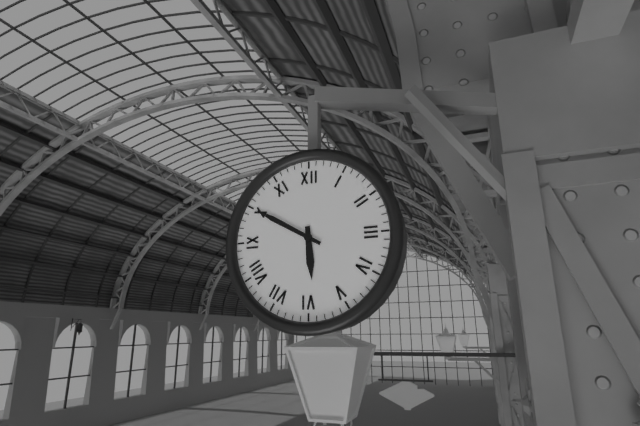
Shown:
5,50
